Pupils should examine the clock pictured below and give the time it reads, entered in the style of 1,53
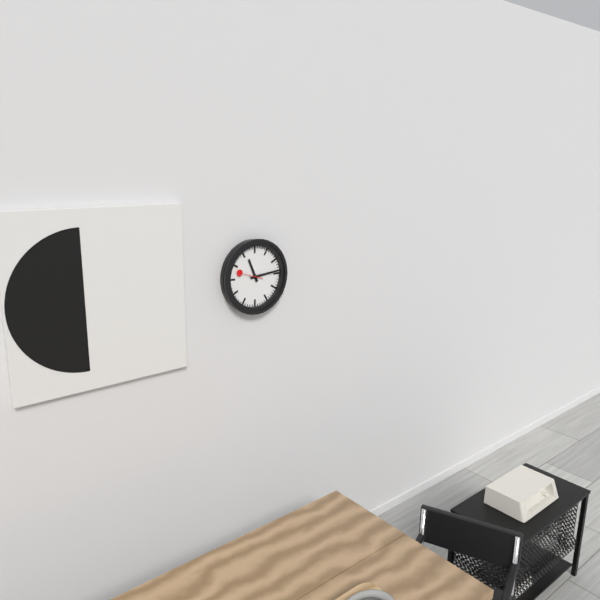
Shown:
11,14
